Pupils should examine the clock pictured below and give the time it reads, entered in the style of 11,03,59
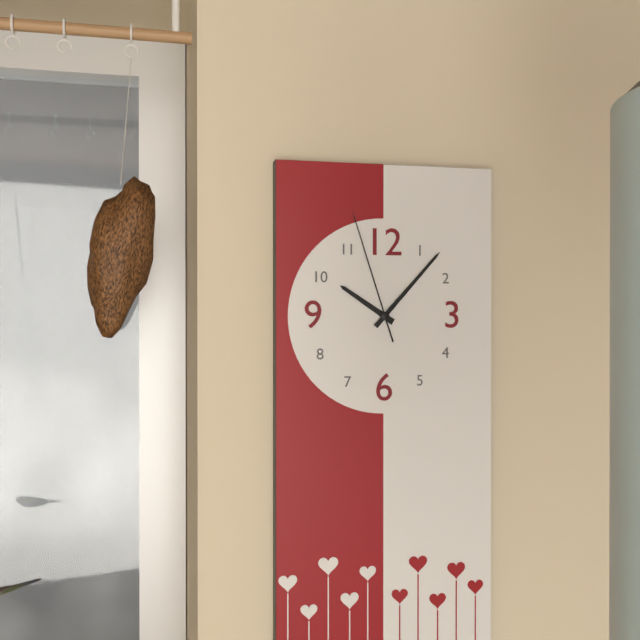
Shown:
10,07,57
